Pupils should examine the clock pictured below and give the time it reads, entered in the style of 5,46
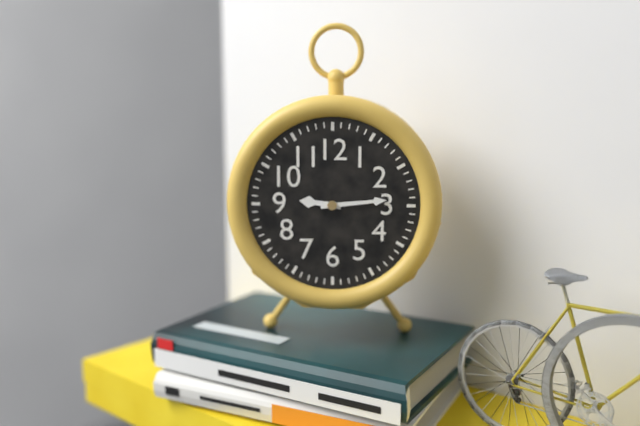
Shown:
9,14
